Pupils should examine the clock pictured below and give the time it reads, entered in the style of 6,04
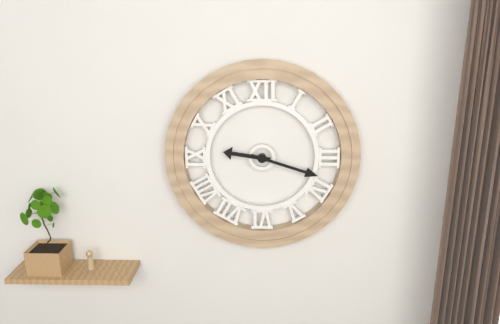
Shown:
9,18
